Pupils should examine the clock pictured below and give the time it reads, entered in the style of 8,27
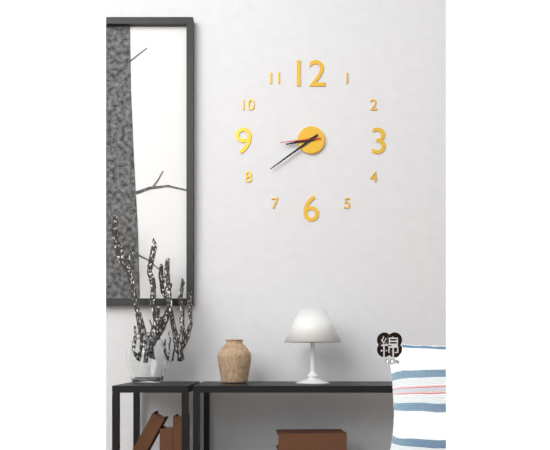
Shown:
8,39
